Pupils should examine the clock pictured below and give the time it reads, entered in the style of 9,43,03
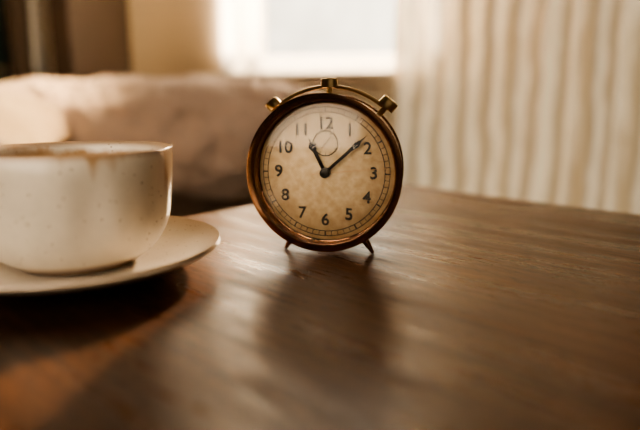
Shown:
11,08,14
